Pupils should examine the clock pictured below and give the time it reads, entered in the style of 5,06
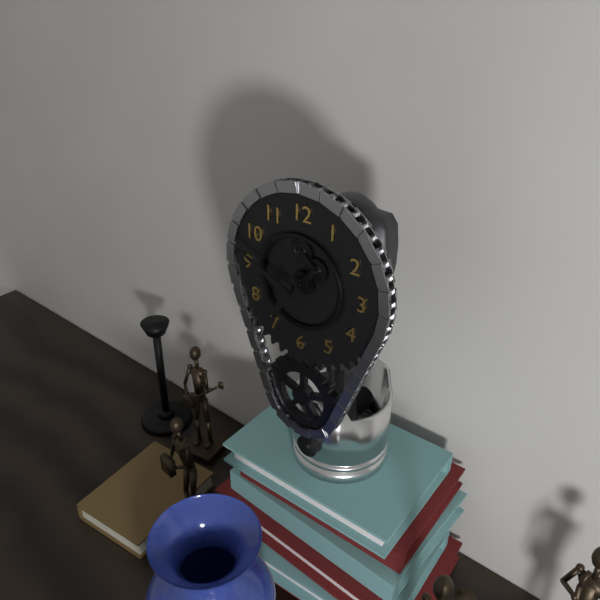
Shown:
6,49
